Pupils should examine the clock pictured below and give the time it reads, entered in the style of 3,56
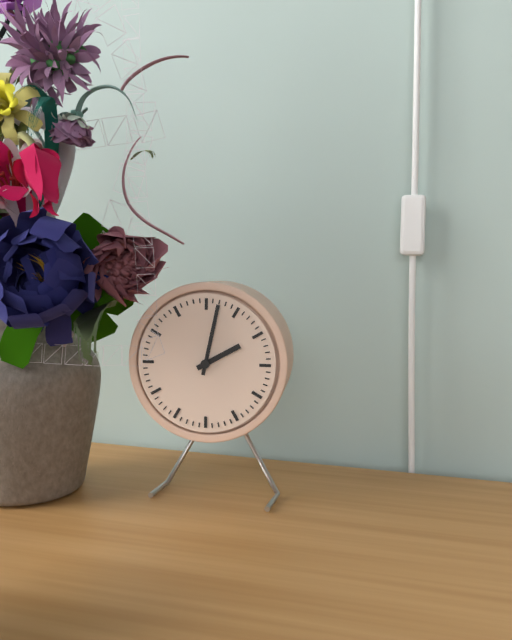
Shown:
2,02
